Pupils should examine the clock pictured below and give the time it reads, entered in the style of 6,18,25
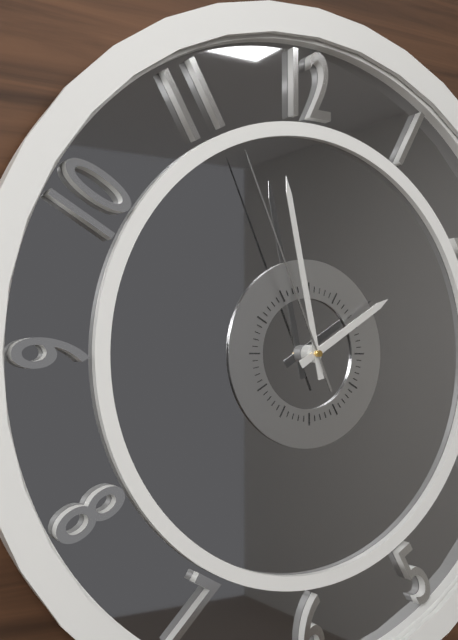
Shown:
1,58,56
